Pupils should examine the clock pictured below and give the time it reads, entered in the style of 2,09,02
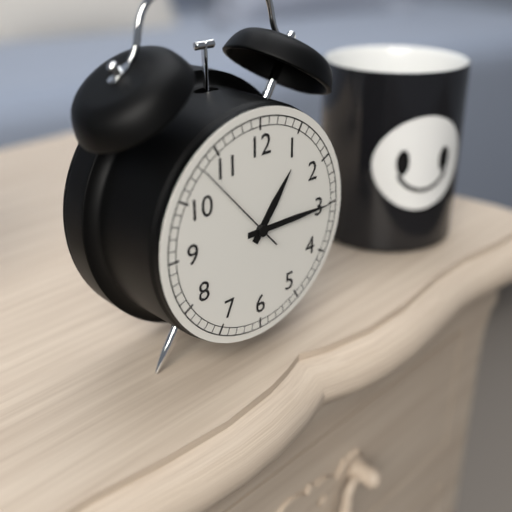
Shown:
1,15,53
